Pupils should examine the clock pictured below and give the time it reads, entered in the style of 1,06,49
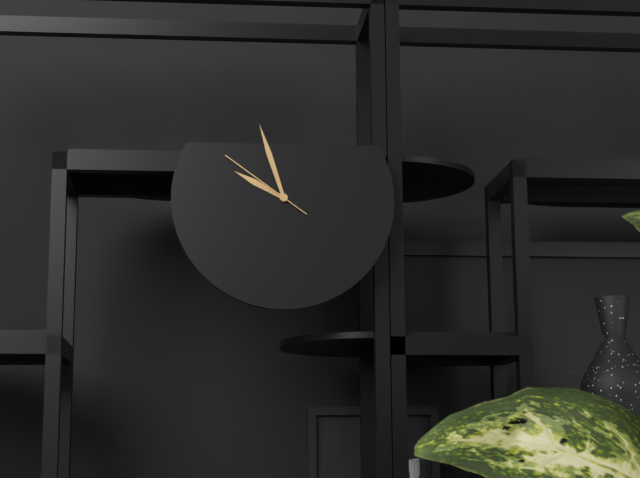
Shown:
9,57,51
